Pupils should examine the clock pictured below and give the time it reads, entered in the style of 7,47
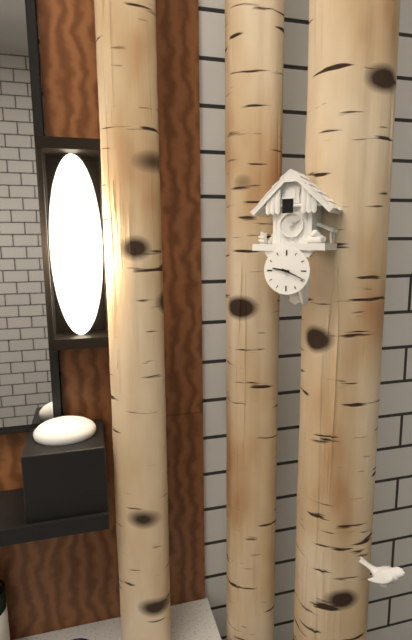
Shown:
9,19
